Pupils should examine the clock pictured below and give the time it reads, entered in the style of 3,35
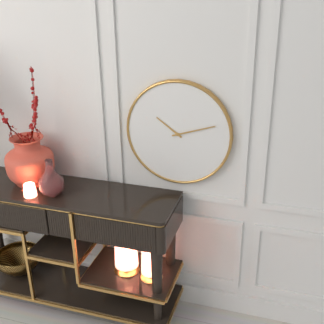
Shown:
10,12
